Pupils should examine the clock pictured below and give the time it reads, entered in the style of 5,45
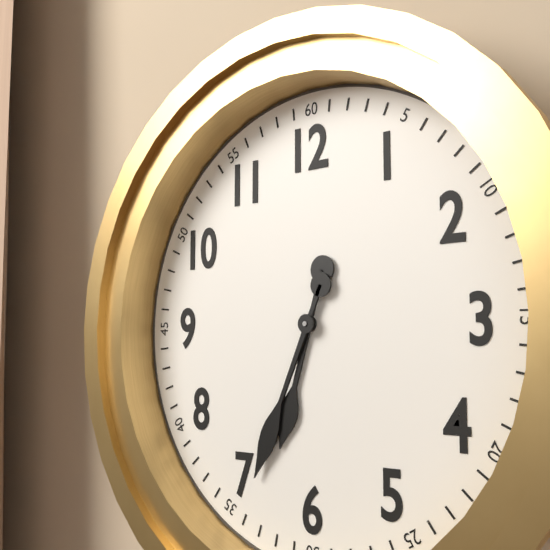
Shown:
6,34
